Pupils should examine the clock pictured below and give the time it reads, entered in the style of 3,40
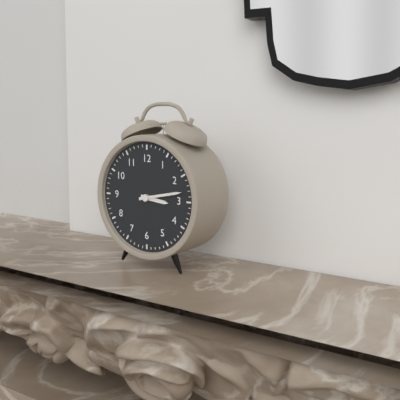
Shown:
3,13
